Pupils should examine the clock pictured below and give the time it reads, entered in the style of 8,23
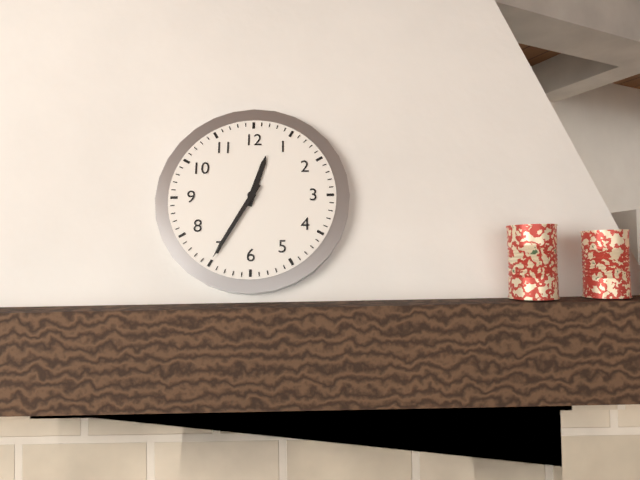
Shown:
12,35
